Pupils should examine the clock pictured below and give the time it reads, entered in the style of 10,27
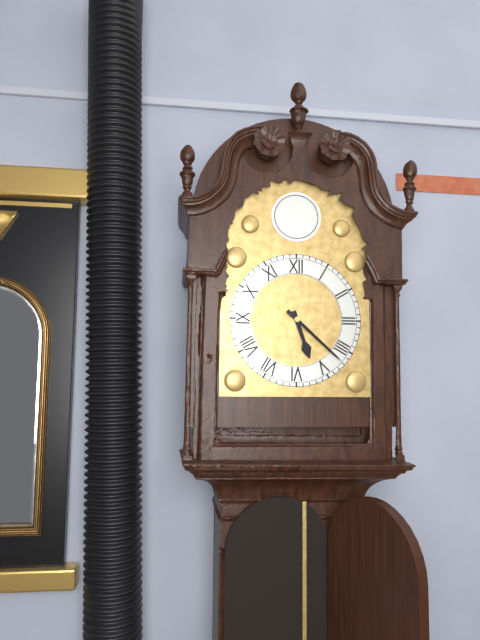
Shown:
5,22
